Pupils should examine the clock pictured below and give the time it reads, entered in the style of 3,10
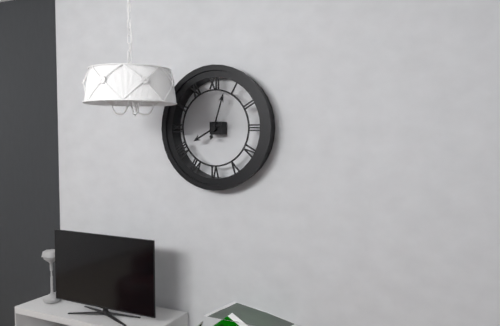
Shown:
8,03
